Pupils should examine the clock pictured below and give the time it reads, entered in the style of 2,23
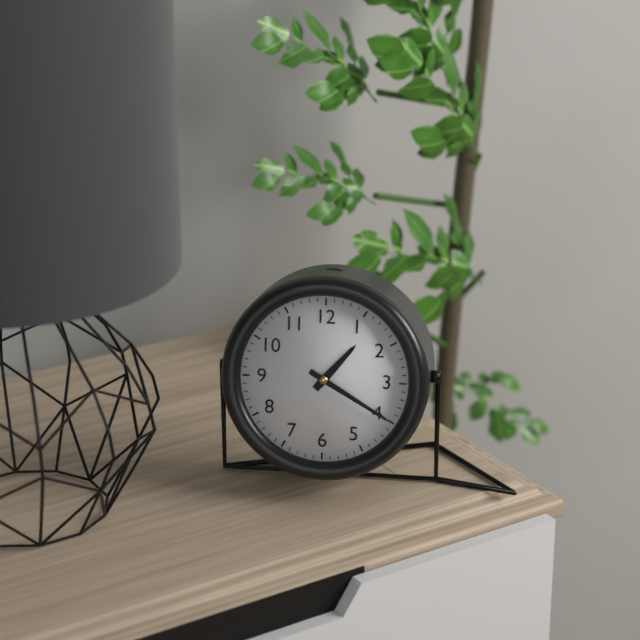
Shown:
1,20
